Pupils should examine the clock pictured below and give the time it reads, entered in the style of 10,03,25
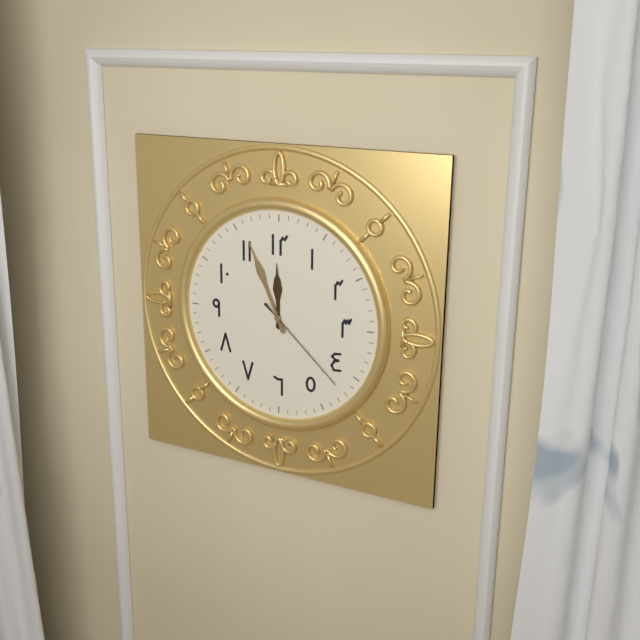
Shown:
11,56,22
